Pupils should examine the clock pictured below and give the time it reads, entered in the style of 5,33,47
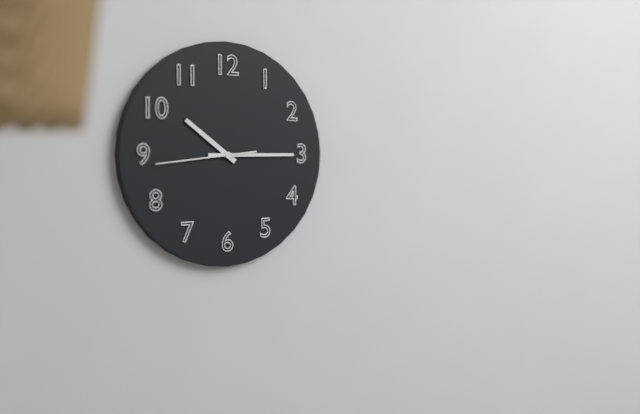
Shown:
10,15,44
